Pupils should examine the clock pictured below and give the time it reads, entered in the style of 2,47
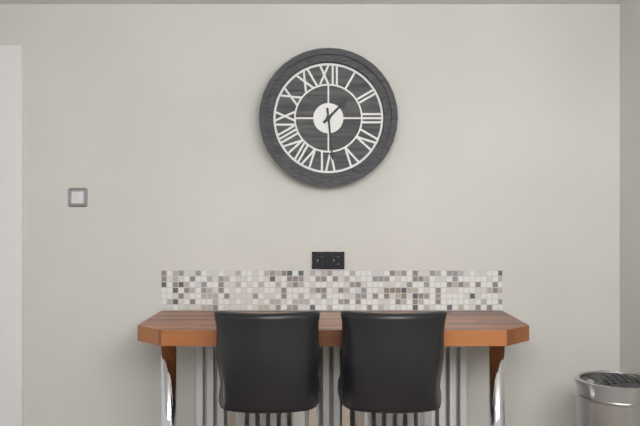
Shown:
1,29
